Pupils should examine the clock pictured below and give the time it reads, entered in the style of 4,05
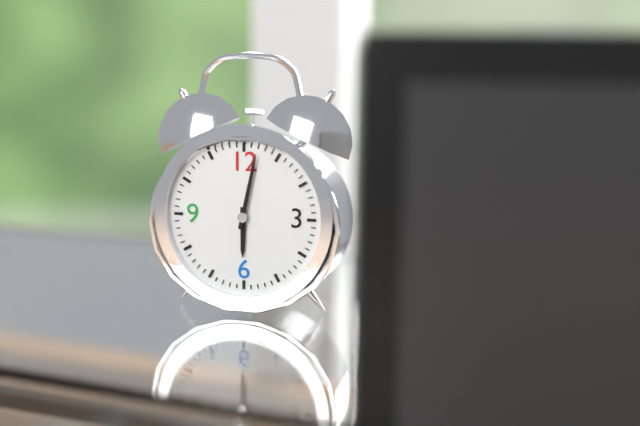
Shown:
6,02
